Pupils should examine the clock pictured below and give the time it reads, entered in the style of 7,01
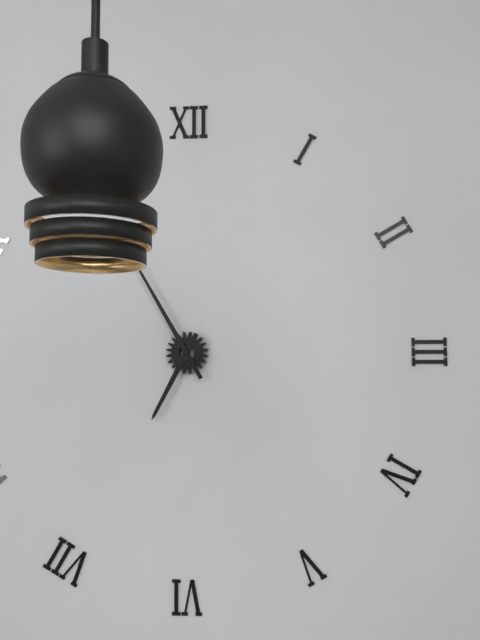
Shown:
6,55
